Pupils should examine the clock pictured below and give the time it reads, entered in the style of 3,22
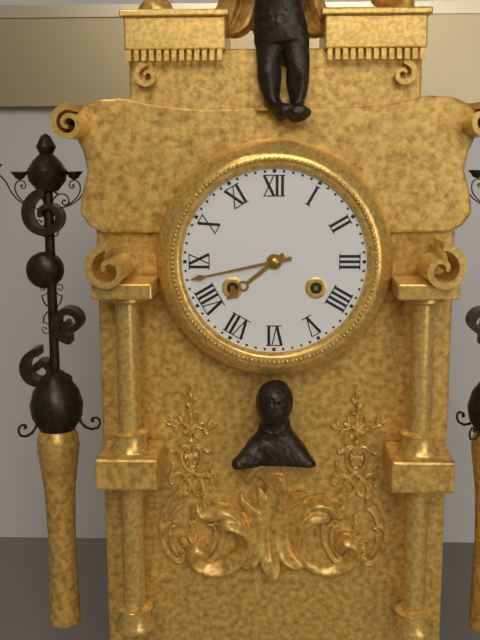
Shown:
7,43
